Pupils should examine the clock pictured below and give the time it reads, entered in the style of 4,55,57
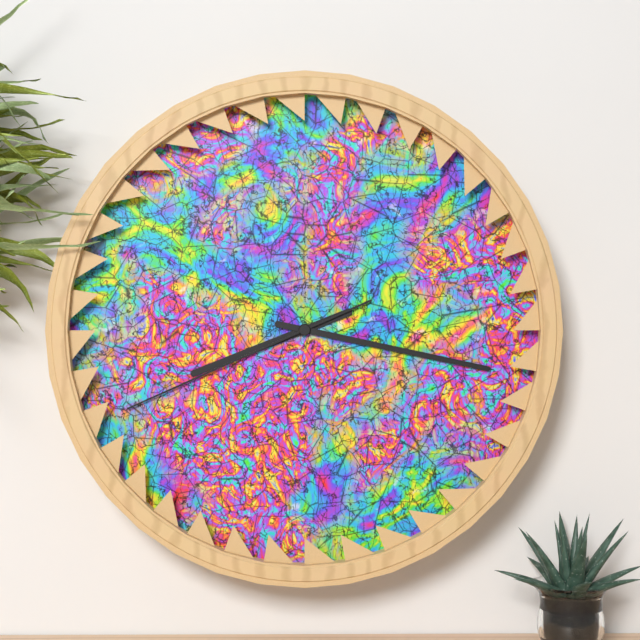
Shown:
8,17,41
